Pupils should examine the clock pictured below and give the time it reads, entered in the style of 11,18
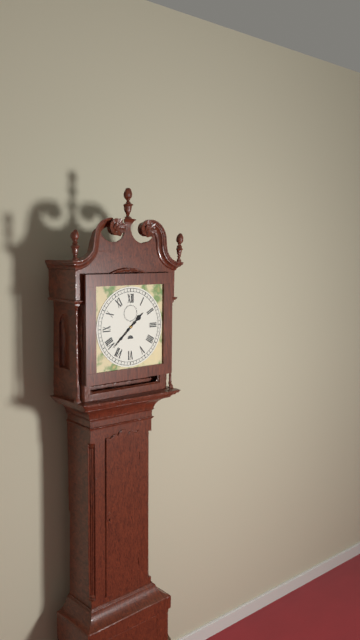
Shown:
1,38
